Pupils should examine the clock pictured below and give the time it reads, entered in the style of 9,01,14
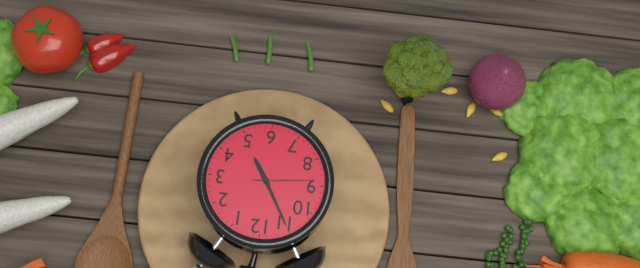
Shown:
4,55,44
